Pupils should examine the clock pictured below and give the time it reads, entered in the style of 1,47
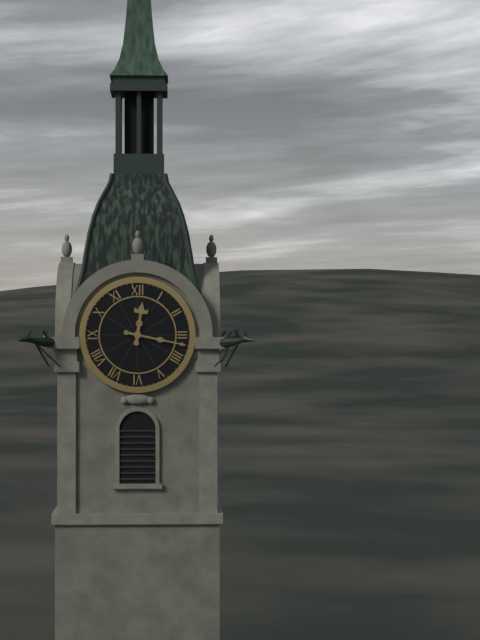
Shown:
12,17
